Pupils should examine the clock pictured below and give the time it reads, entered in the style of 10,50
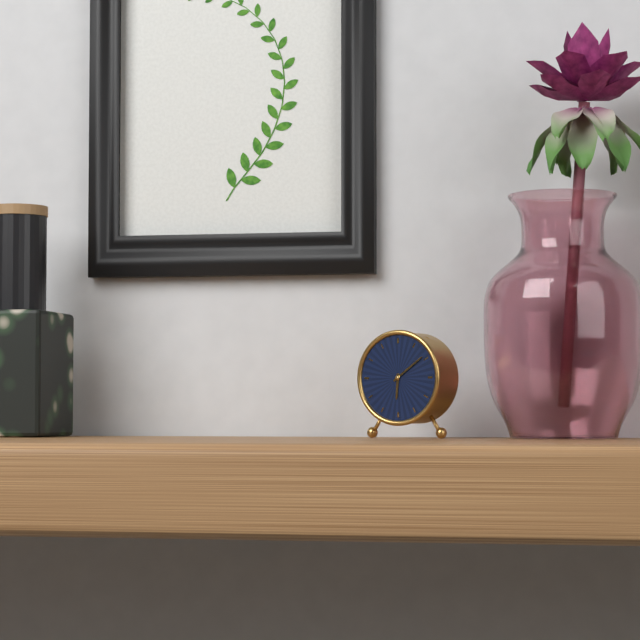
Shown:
6,09
